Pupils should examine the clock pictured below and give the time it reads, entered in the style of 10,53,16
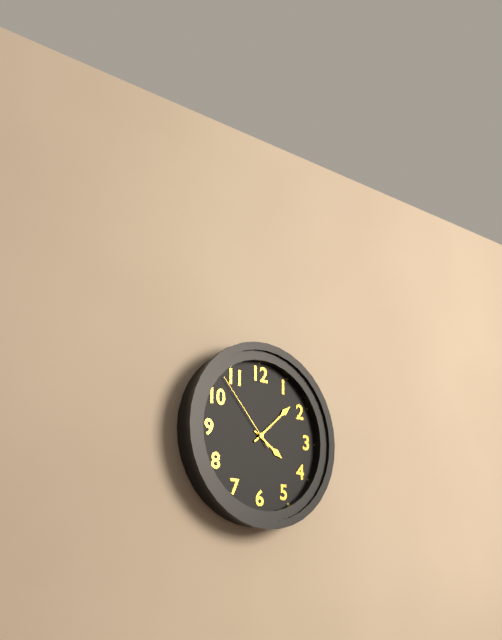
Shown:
4,08,53
